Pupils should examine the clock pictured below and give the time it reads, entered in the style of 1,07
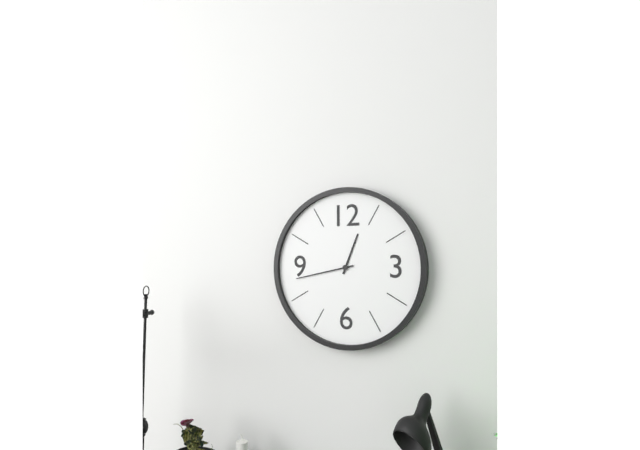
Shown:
12,43
